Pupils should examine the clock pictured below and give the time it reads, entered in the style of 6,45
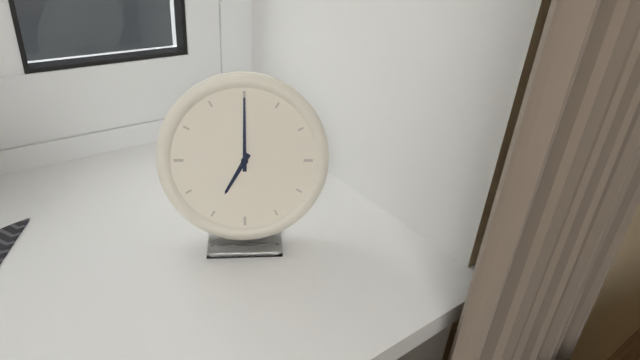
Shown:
7,00
